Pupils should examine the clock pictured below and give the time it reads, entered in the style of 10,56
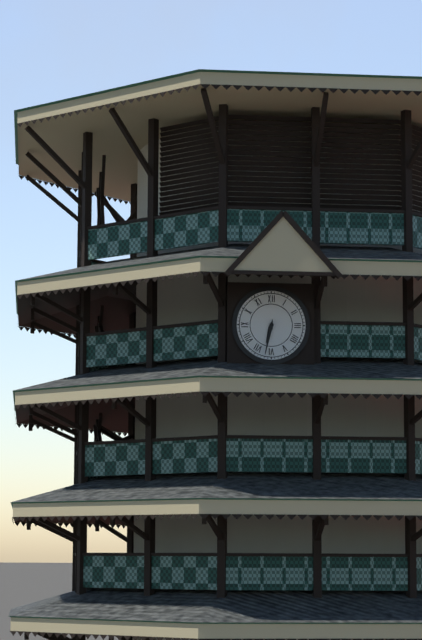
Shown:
6,32
